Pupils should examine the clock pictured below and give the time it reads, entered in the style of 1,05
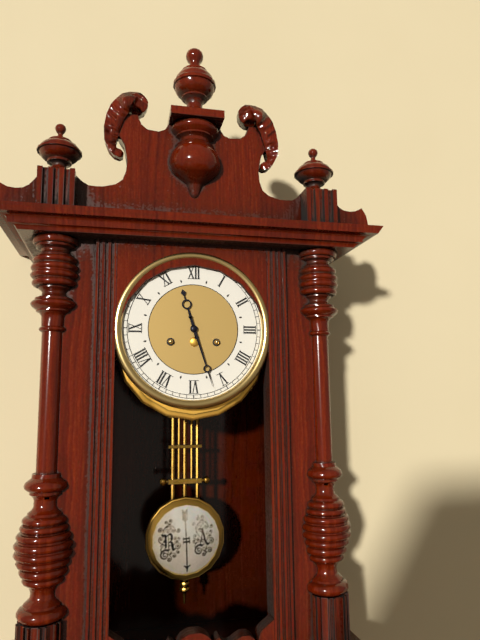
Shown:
11,27
